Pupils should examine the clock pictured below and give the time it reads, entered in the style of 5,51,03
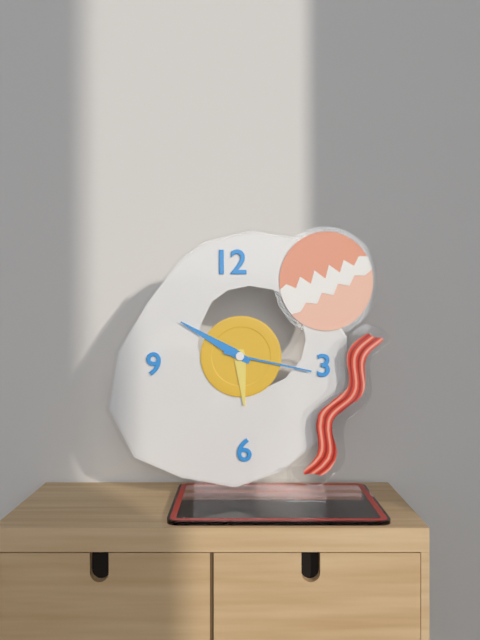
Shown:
5,50,17
